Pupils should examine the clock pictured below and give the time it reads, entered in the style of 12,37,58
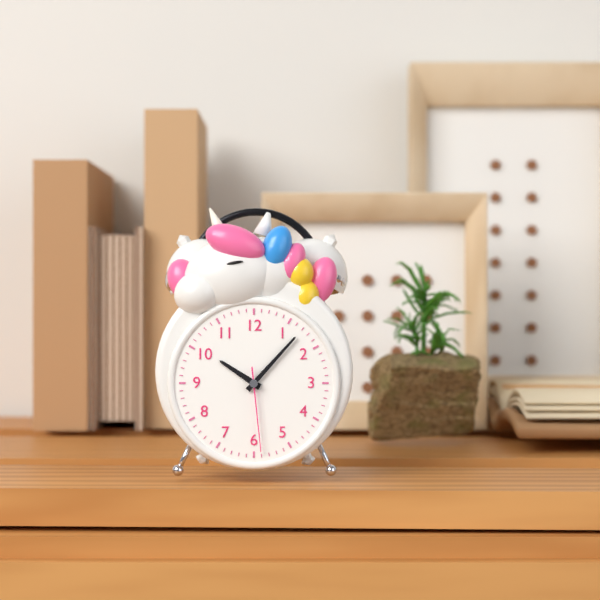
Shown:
10,07,29
